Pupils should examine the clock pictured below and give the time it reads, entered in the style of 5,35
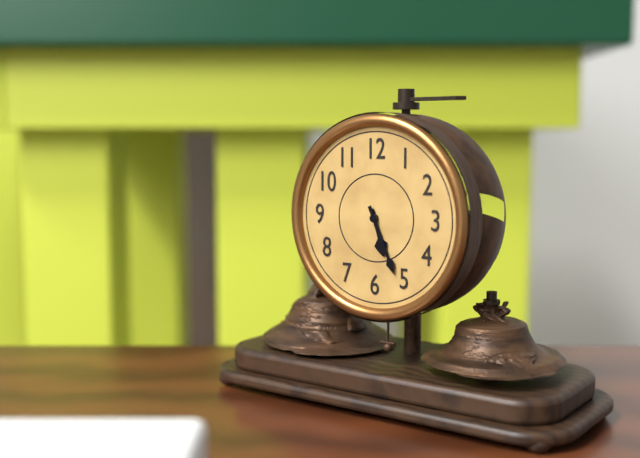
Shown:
5,26
